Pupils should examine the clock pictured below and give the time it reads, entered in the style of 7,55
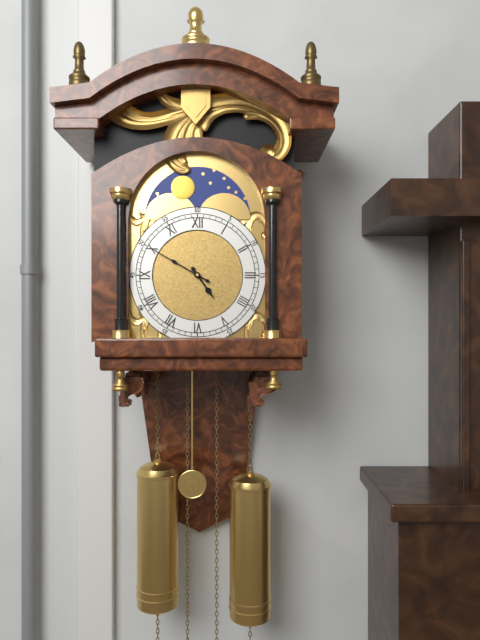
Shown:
4,50
